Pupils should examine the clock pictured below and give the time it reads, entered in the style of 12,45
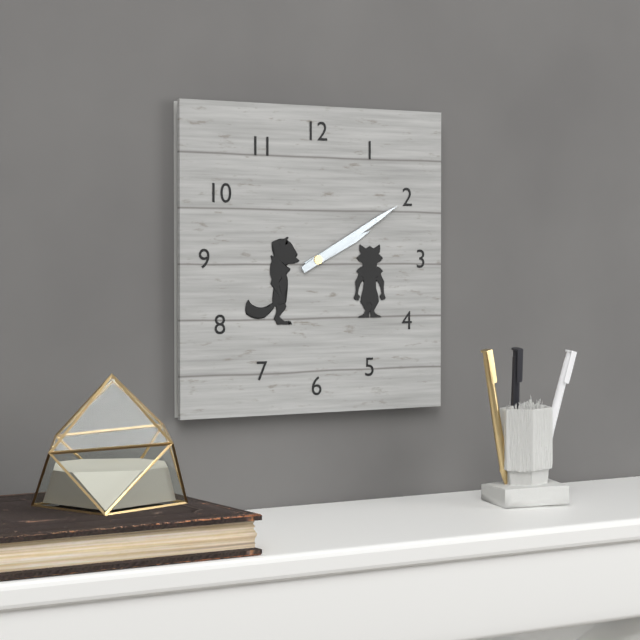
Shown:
2,10
